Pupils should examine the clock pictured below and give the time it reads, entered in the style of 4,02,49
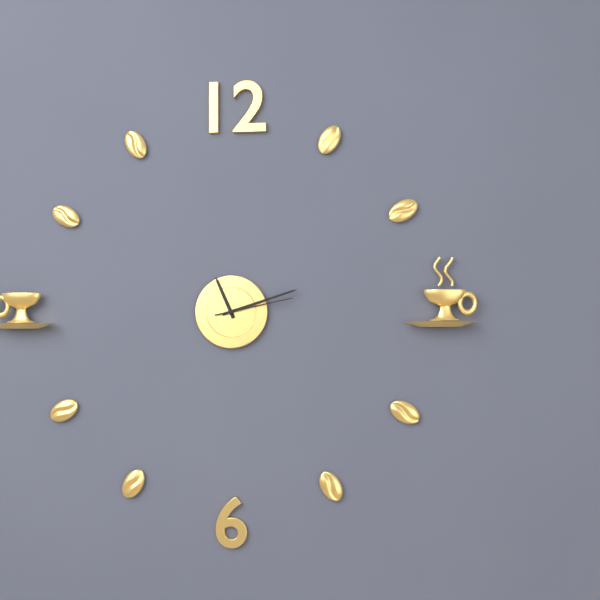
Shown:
11,12,13
